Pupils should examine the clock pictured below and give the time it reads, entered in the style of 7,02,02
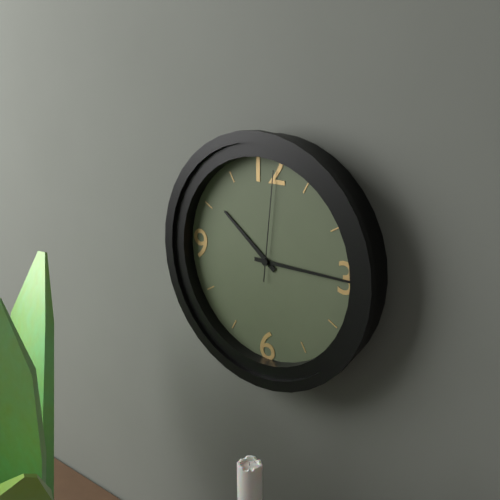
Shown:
10,15,01
